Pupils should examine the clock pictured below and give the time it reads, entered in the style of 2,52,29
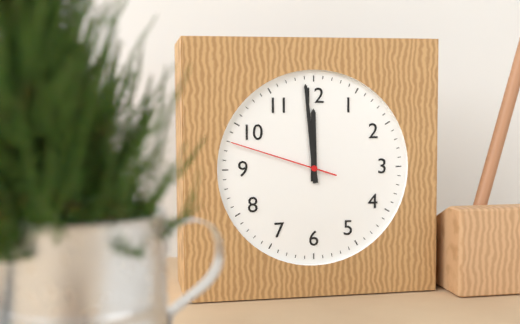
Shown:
11,59,48
